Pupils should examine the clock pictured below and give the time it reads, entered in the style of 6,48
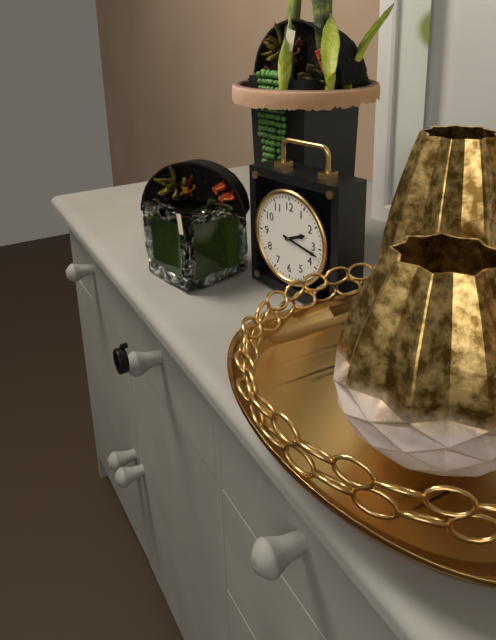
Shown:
2,17
